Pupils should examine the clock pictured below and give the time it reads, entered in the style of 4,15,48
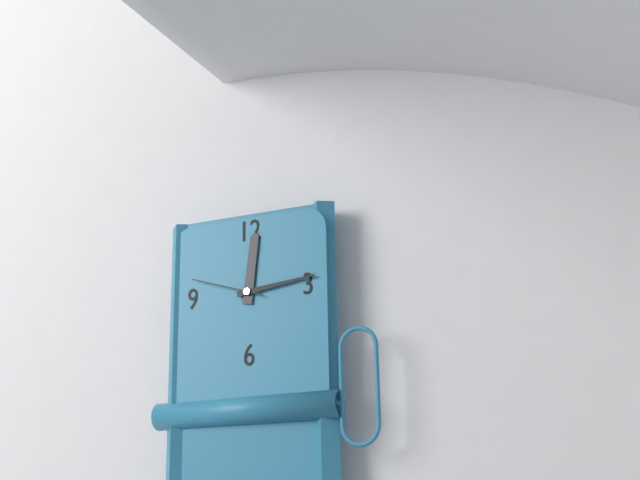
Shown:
12,14,48
